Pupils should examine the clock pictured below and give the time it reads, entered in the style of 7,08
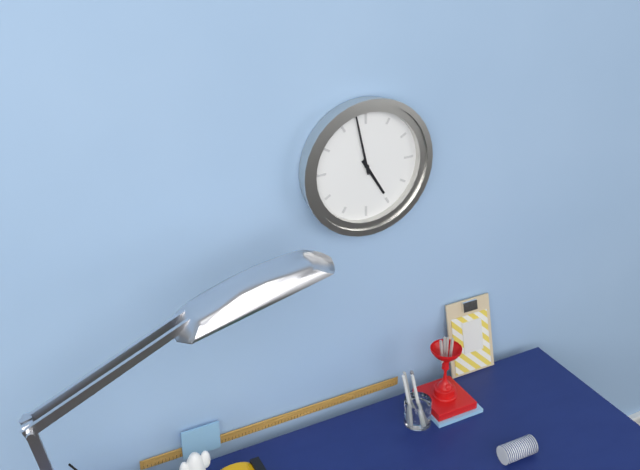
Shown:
4,58
